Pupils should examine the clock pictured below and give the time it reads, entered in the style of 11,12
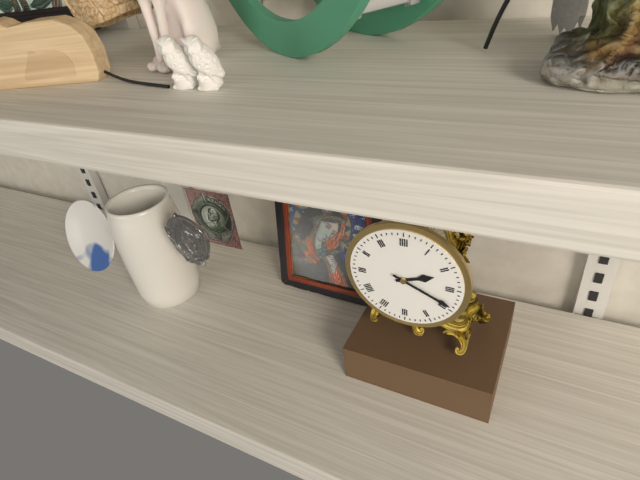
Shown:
2,19
